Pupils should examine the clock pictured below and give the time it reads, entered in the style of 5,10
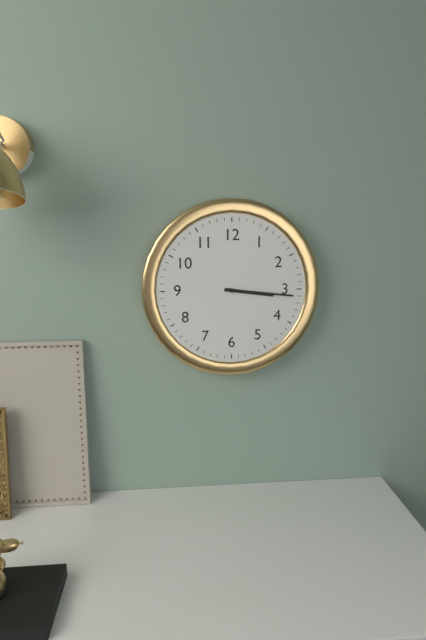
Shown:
3,16
